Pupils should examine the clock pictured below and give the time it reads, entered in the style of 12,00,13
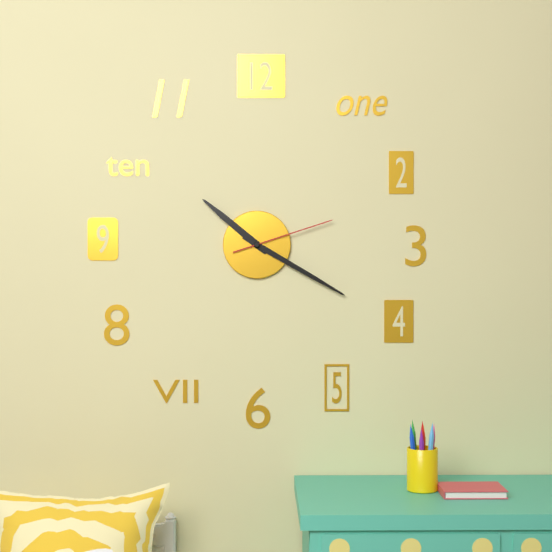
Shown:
10,20,12
